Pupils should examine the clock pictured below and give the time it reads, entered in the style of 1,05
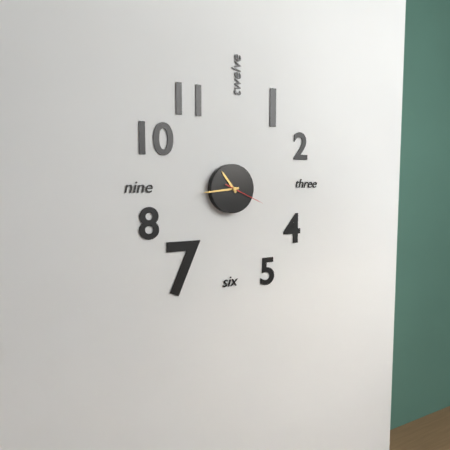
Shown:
10,44
